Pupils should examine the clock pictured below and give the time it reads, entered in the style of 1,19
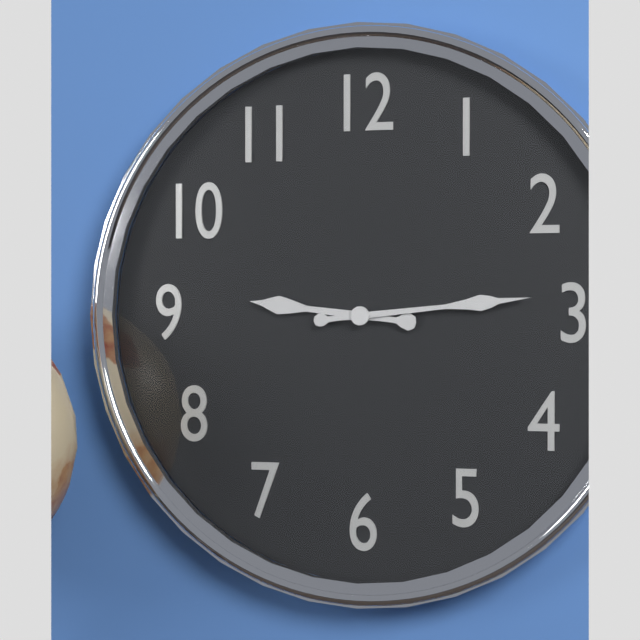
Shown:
9,14
